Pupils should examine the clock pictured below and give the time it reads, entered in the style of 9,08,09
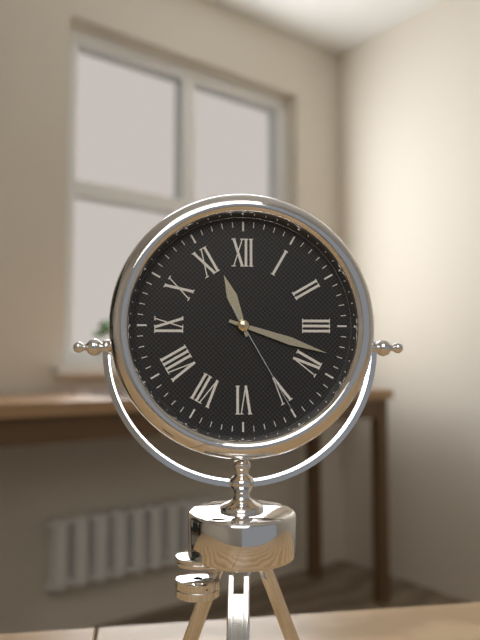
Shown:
11,18,25
